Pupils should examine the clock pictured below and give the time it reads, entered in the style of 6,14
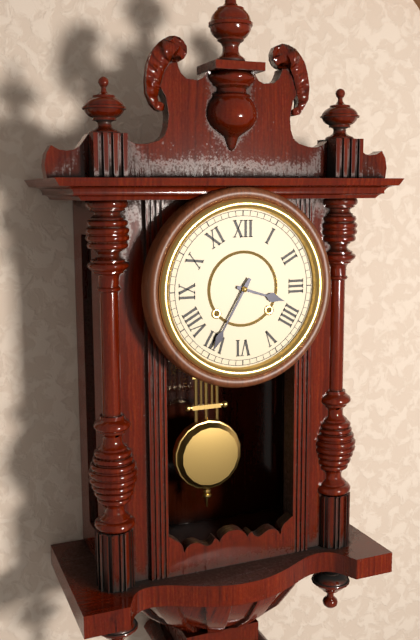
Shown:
3,35
